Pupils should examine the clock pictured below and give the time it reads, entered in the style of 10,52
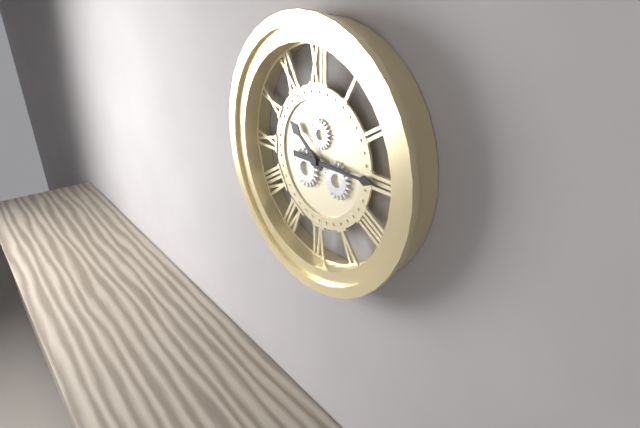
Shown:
10,15
